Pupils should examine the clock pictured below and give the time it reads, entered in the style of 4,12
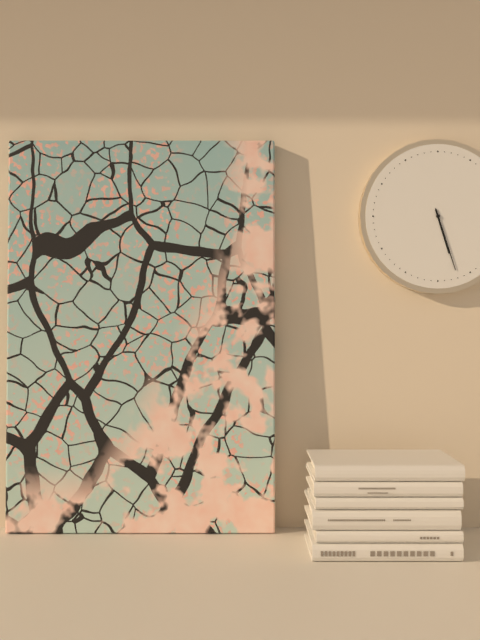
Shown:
5,27
